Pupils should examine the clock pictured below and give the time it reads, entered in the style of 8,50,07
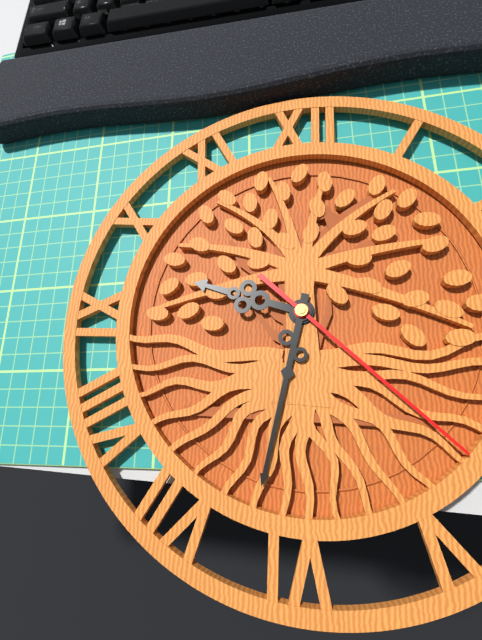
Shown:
9,32,22
